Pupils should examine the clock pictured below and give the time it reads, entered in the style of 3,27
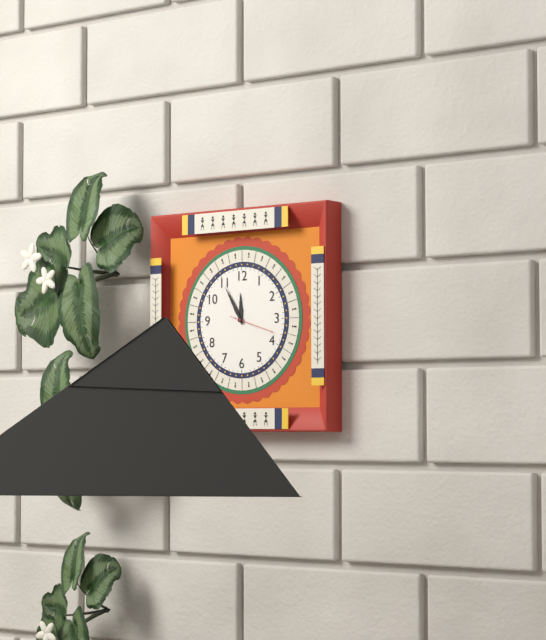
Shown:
11,55
